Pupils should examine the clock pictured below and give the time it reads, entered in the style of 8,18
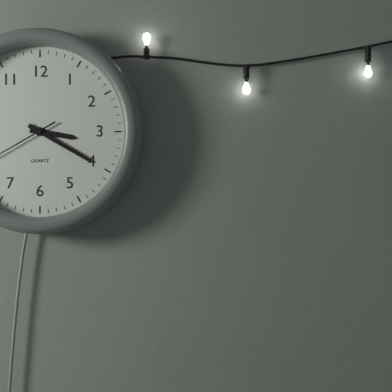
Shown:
3,20
